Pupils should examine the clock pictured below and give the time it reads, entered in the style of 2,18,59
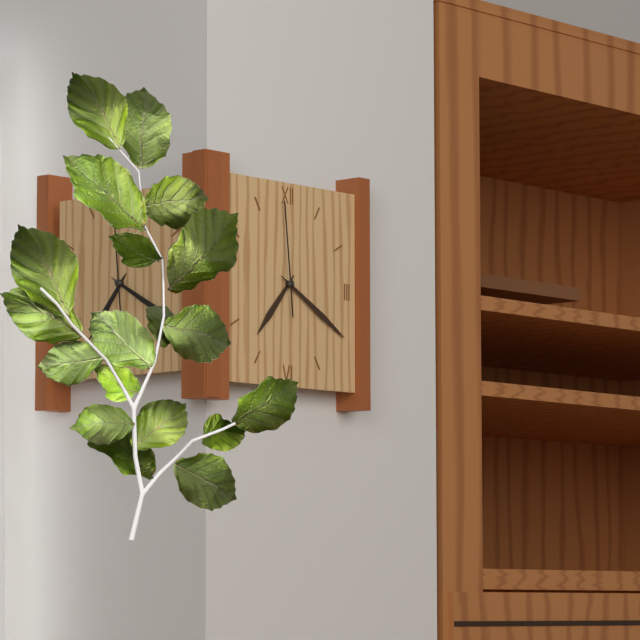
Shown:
7,20,59
